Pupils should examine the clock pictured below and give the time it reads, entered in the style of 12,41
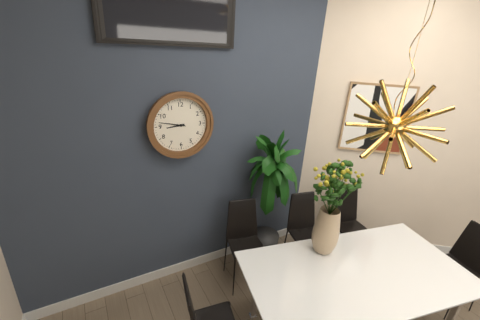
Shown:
8,47
